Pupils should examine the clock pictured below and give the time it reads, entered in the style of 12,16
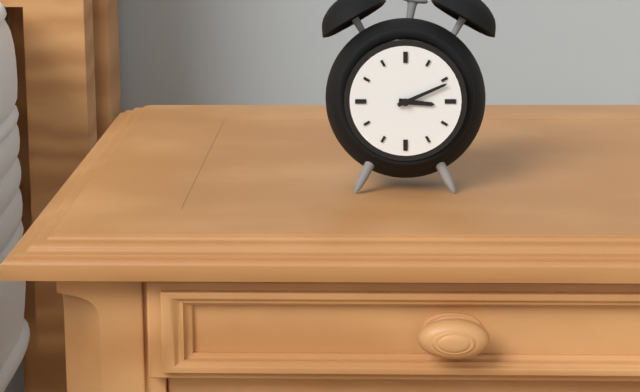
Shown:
3,11
